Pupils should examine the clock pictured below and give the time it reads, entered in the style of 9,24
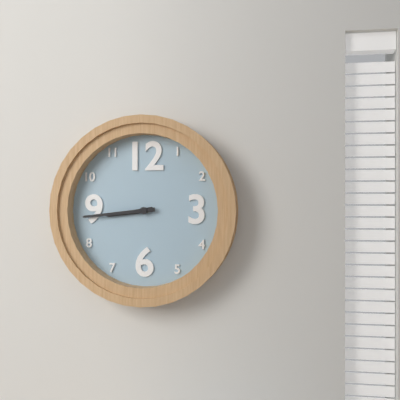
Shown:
8,44
